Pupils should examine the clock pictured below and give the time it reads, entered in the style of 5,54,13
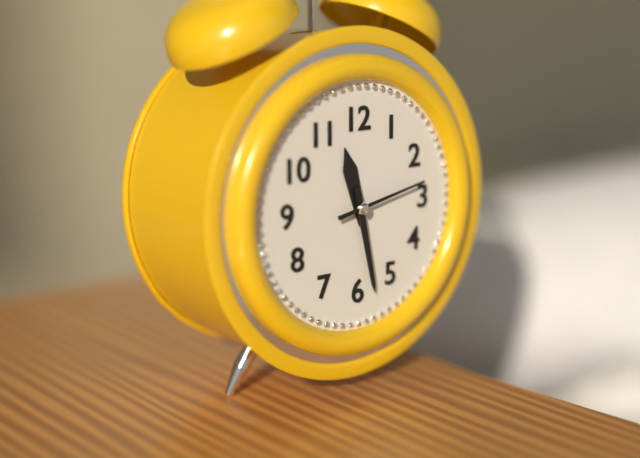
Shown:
11,28,13
